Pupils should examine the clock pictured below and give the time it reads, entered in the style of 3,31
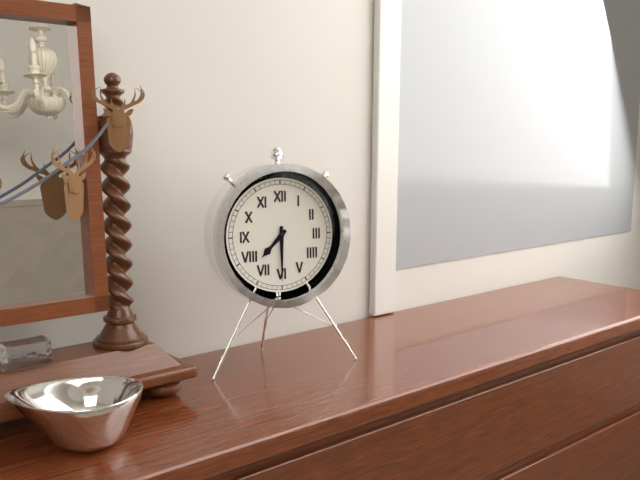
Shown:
7,30
